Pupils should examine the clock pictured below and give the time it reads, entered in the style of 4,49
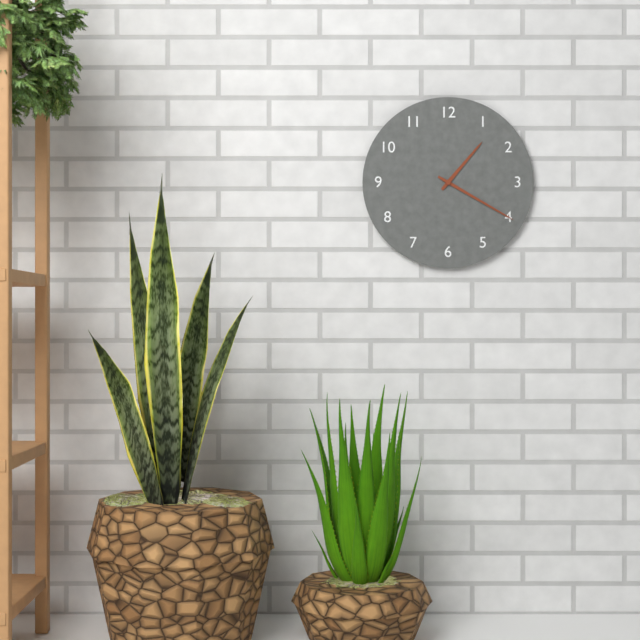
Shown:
1,20
